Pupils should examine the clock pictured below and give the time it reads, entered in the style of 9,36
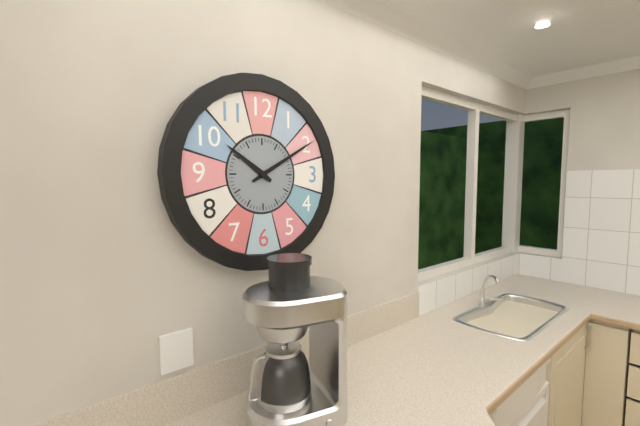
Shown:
10,10
